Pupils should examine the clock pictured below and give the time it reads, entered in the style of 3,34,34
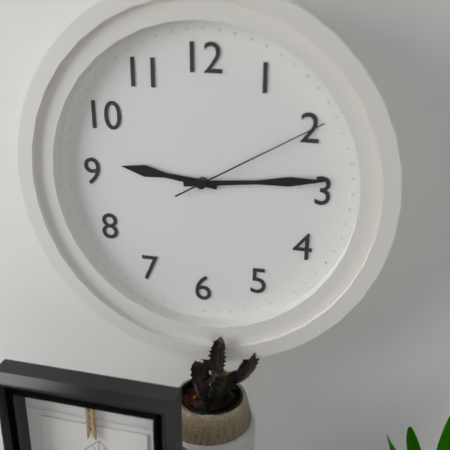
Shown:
9,14,10
